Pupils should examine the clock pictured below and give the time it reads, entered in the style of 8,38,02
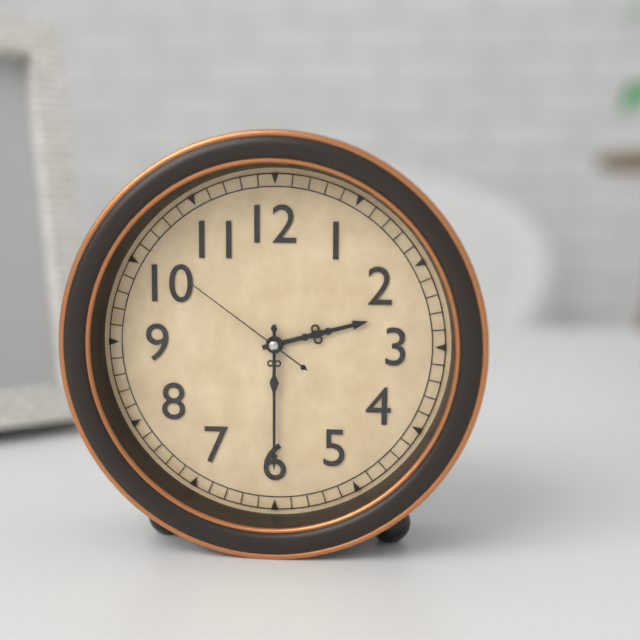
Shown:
2,30,51
